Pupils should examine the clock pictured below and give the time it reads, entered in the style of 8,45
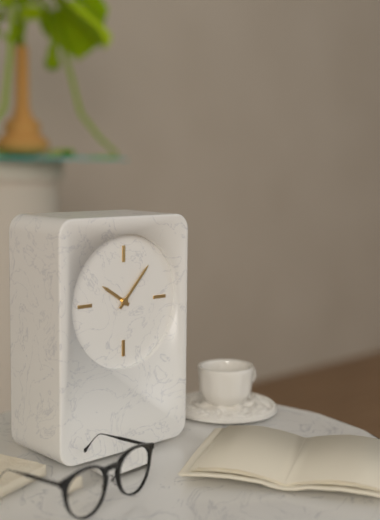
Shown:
10,07
